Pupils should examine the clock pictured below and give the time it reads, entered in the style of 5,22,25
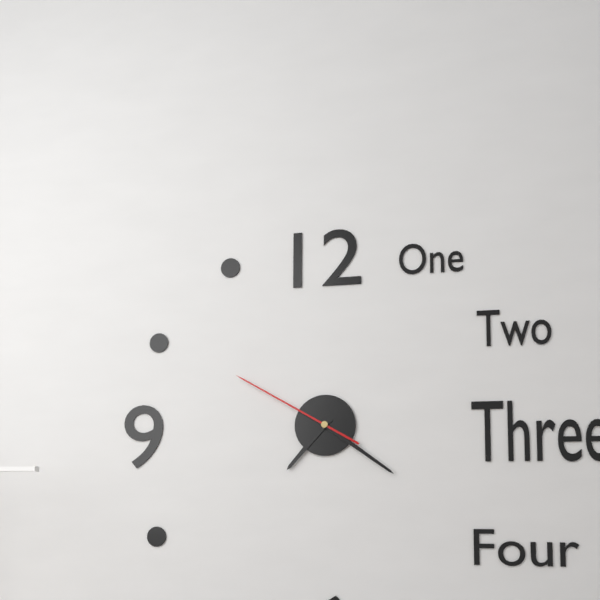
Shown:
7,21,50
